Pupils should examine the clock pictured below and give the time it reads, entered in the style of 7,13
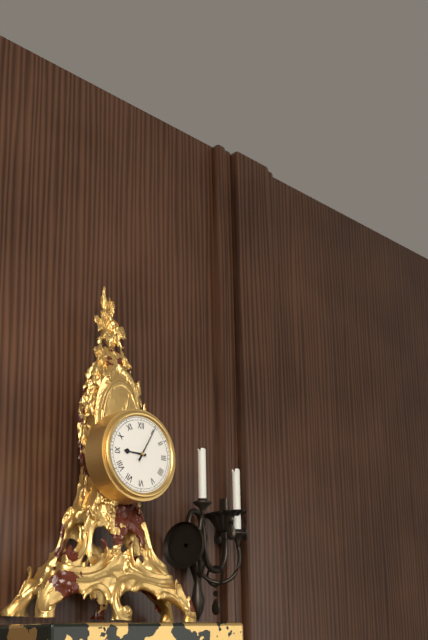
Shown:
9,05
